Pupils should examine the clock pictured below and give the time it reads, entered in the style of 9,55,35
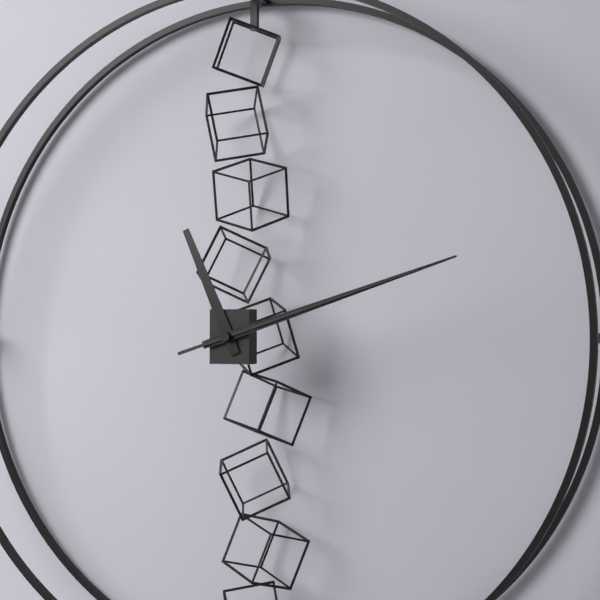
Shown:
11,12,12
